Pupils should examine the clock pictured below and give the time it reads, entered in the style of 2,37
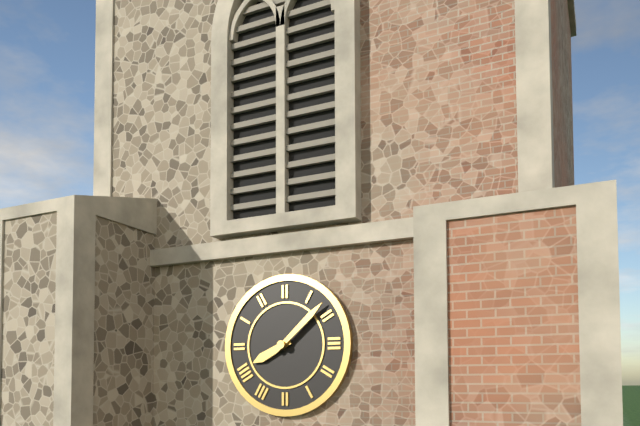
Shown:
8,08
